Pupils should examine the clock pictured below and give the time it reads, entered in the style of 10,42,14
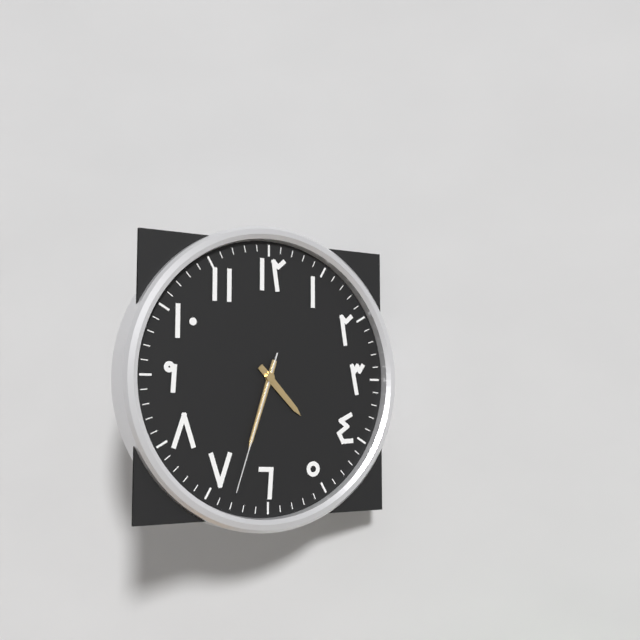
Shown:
4,33,33
